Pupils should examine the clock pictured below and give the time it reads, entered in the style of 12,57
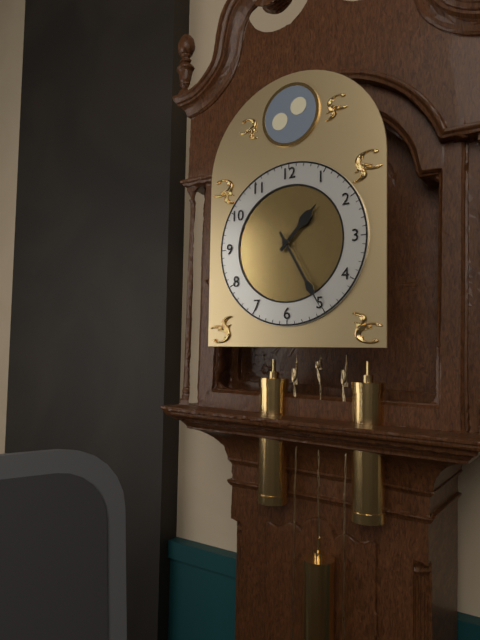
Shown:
1,25
